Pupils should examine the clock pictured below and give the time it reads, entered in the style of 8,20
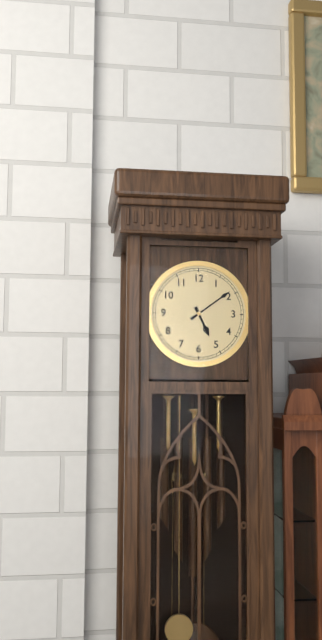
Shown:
5,09
